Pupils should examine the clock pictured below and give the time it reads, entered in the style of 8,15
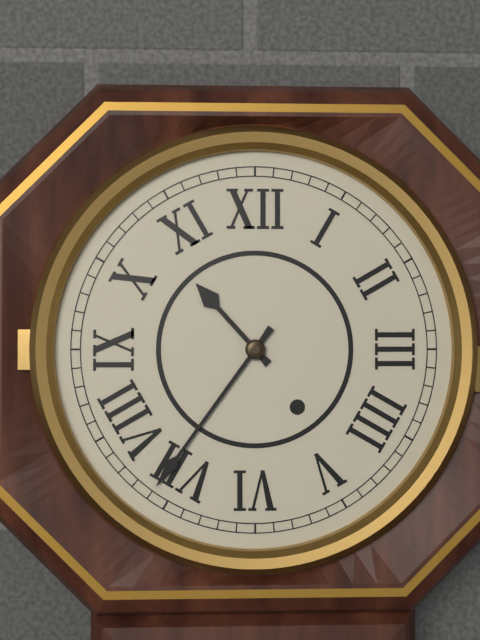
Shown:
10,36
